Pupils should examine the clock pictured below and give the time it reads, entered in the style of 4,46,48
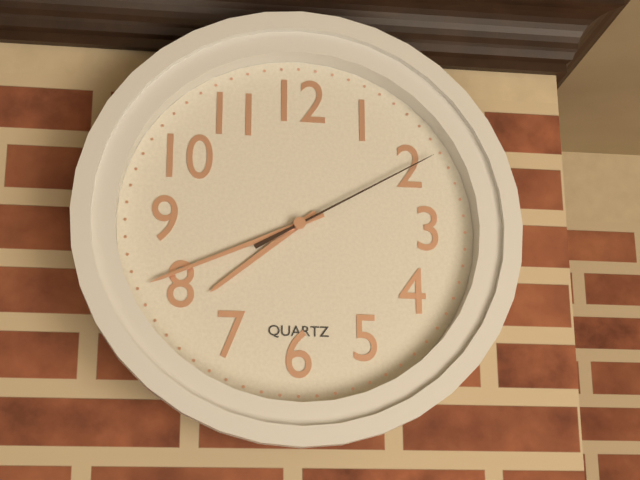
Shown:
7,41,10
